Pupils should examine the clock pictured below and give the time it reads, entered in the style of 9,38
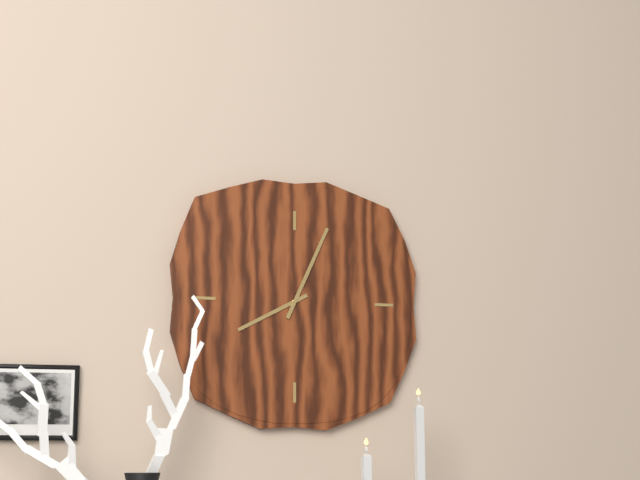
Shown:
8,04
